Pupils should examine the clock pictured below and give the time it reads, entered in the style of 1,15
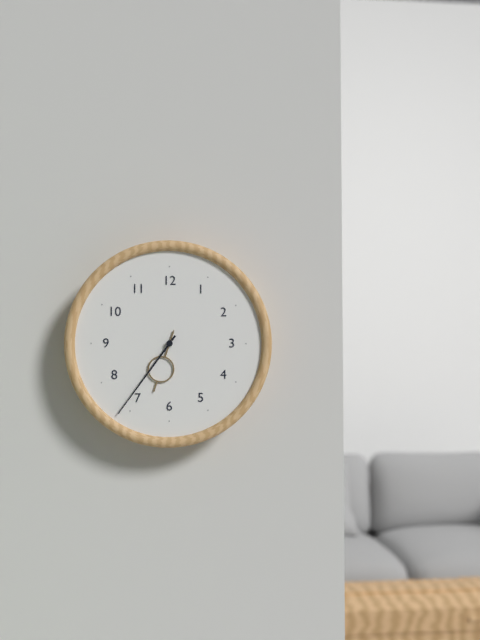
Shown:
6,36
